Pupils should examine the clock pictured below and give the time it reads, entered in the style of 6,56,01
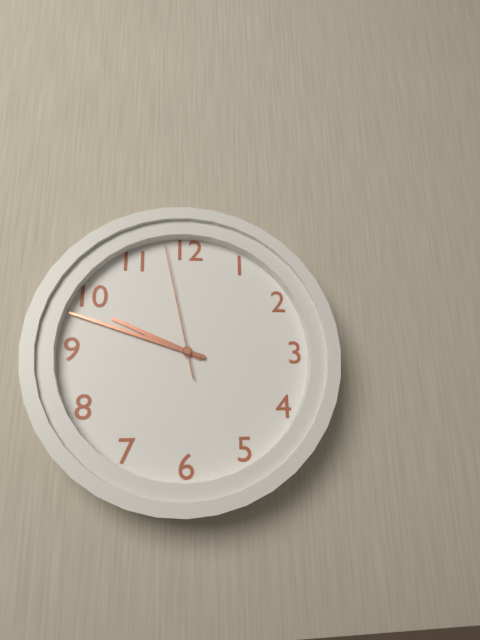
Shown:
9,48,58
